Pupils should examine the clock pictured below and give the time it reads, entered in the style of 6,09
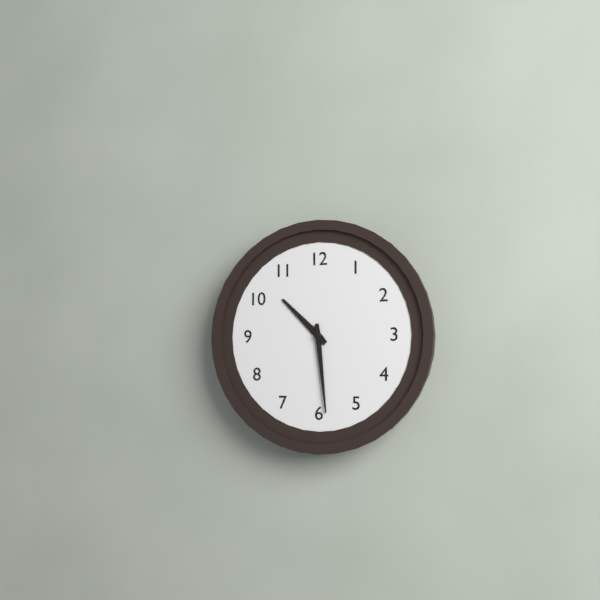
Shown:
10,29
